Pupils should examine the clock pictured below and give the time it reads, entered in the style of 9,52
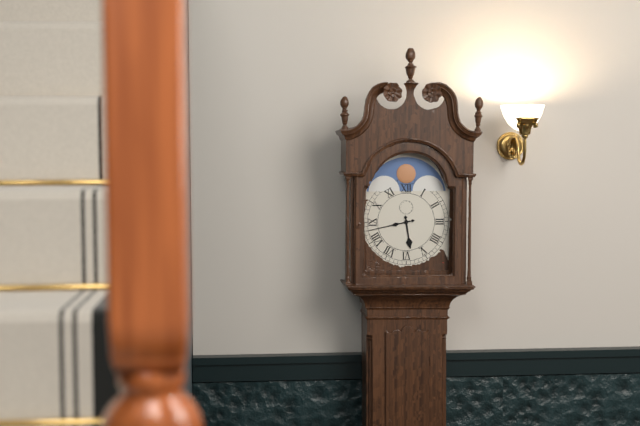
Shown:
5,43
